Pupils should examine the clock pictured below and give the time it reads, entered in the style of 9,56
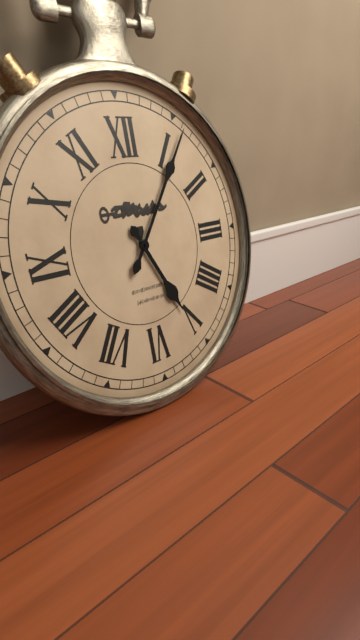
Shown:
5,06
